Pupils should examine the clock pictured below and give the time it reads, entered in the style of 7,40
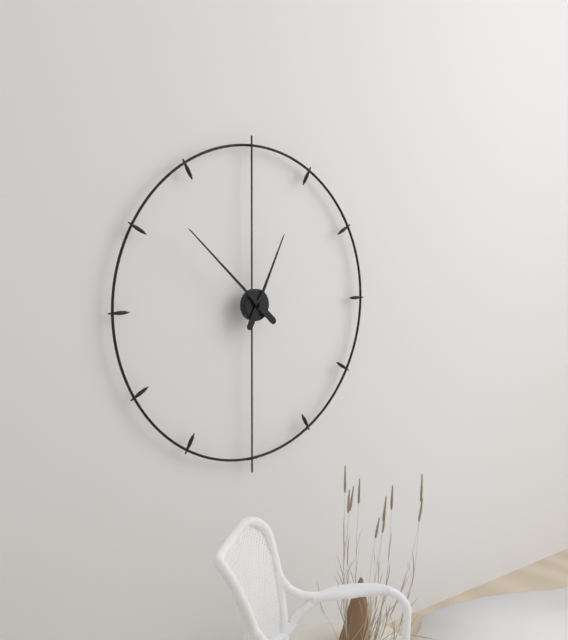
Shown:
12,52
